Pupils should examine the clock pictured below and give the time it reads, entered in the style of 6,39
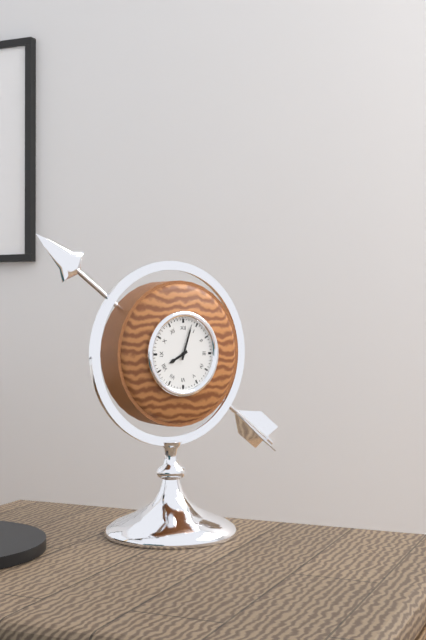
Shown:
8,03
